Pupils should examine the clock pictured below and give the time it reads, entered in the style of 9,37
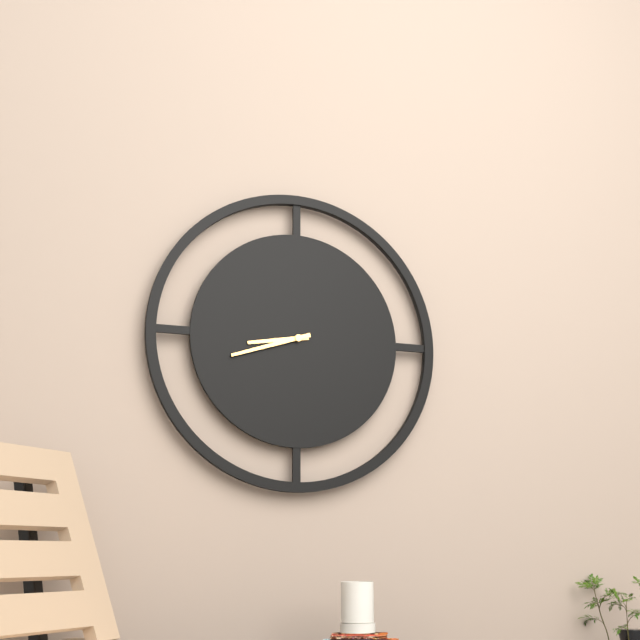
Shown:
8,42
